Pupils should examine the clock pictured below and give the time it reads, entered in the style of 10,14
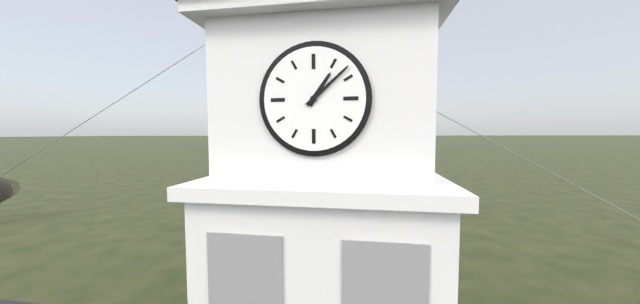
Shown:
1,08
